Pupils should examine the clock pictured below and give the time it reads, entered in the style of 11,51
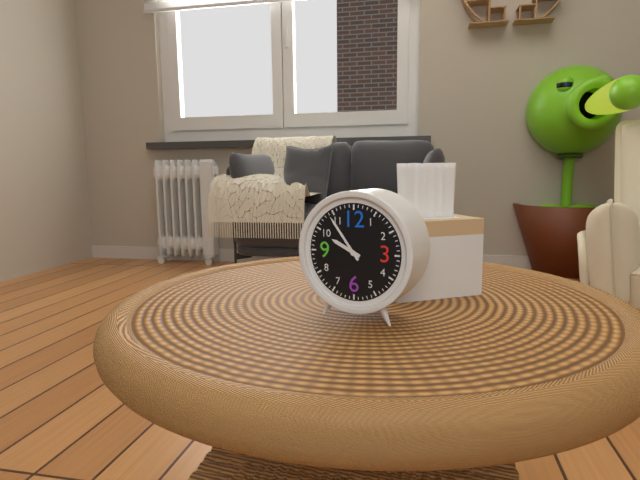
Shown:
9,54
